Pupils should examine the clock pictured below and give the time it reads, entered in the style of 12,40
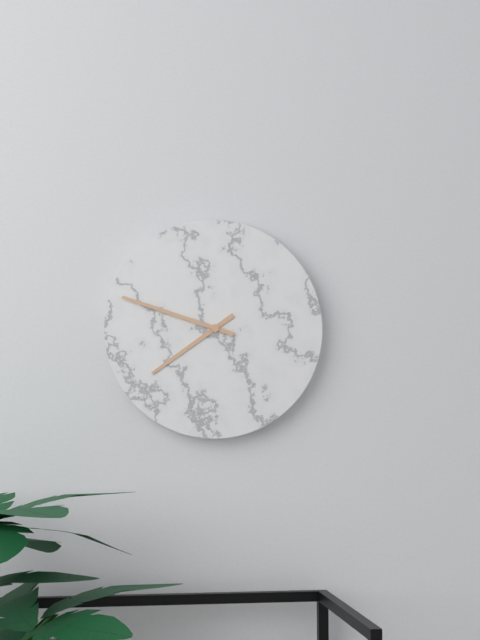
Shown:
7,48
